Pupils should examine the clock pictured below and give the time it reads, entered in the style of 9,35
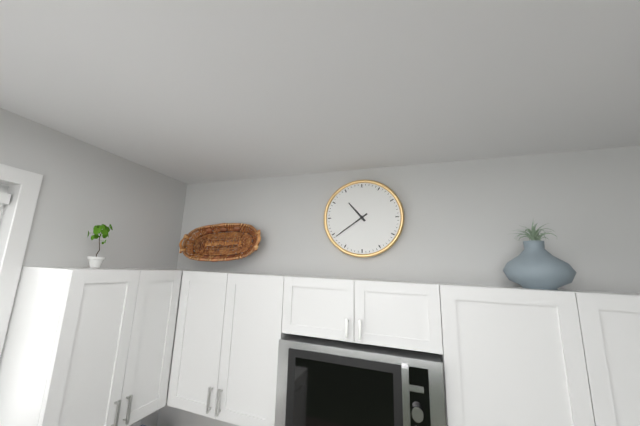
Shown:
10,39
